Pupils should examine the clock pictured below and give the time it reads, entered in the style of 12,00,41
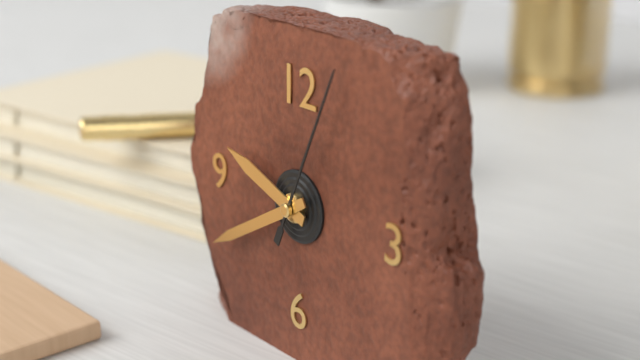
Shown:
9,40,04
